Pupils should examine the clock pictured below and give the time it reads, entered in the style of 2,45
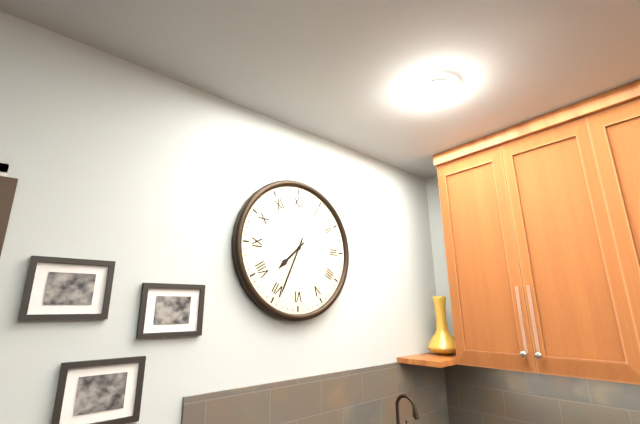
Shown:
7,34
